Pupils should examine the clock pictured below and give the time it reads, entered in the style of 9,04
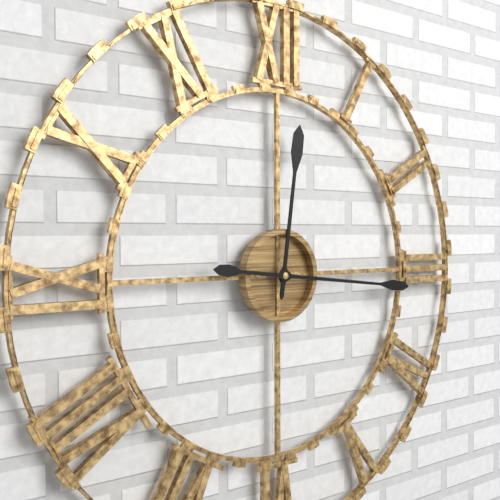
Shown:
12,16
